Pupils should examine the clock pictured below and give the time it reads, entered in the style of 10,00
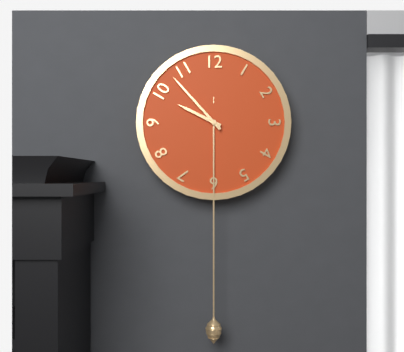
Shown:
9,53
